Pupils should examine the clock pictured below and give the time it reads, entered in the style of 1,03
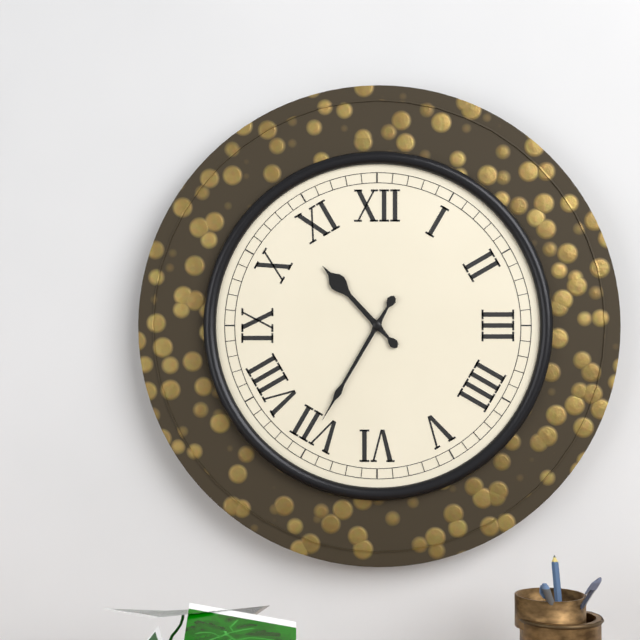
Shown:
10,35
